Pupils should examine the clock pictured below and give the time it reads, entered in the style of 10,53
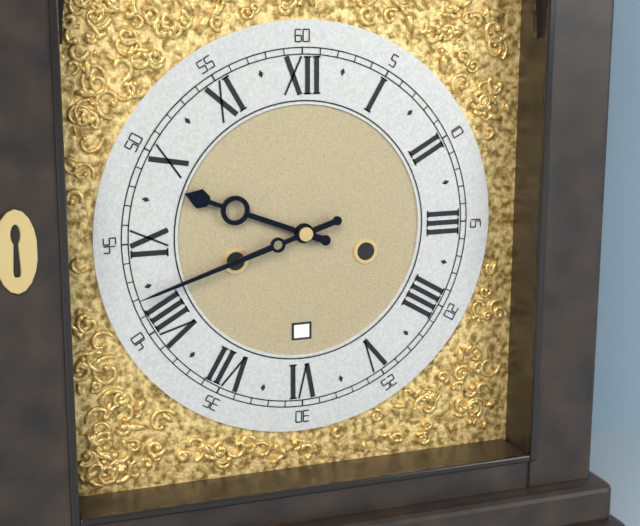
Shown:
9,42
